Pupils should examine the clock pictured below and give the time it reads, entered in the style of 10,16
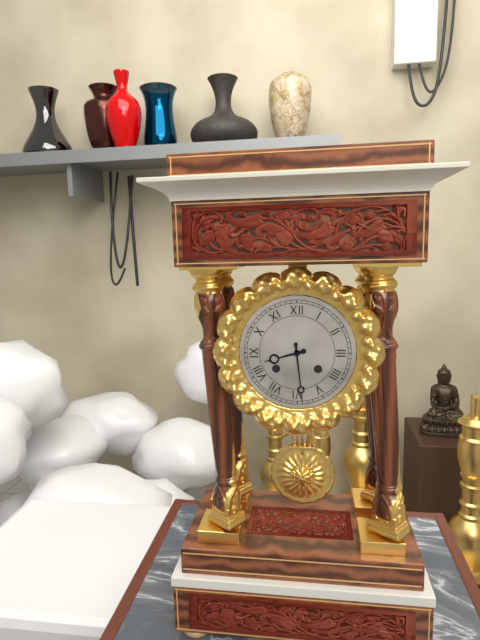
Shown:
8,29
